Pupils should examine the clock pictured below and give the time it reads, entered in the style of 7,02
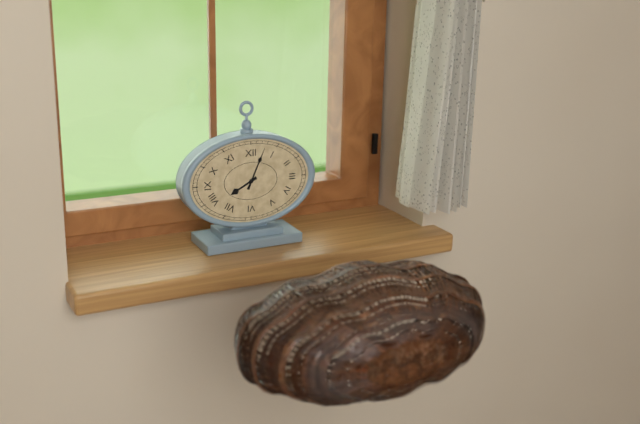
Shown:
8,04
